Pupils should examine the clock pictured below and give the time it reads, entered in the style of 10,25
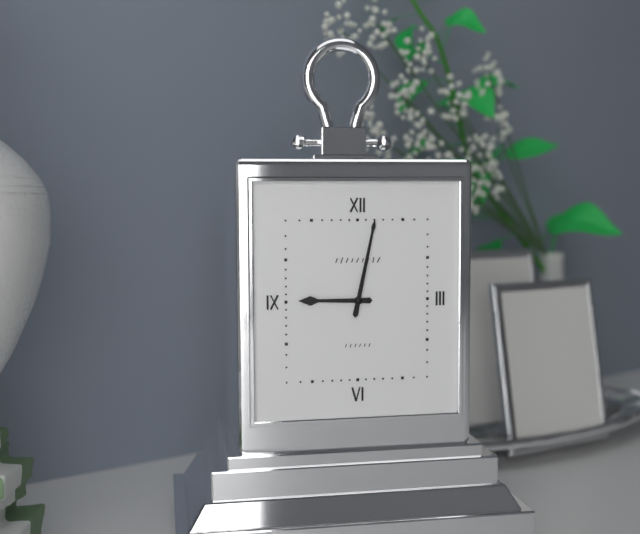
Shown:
9,02
